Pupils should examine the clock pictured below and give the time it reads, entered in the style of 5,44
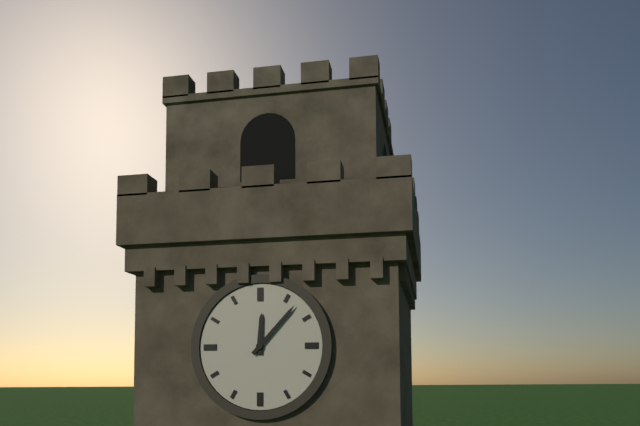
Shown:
12,07
